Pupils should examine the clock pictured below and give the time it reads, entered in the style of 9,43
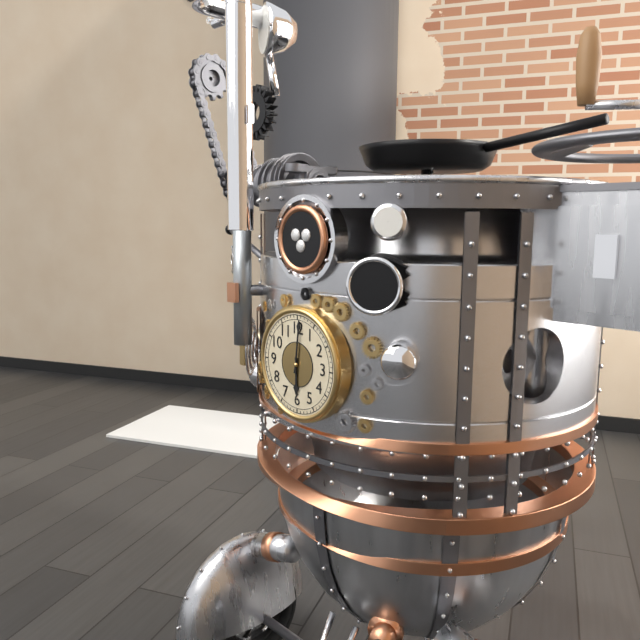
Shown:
6,01
